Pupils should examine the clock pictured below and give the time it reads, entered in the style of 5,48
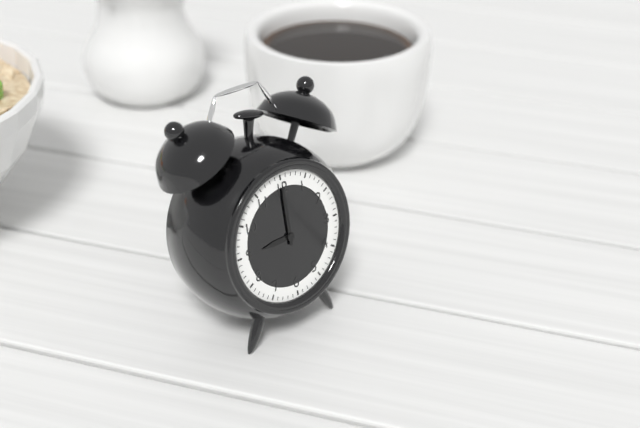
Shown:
9,00
